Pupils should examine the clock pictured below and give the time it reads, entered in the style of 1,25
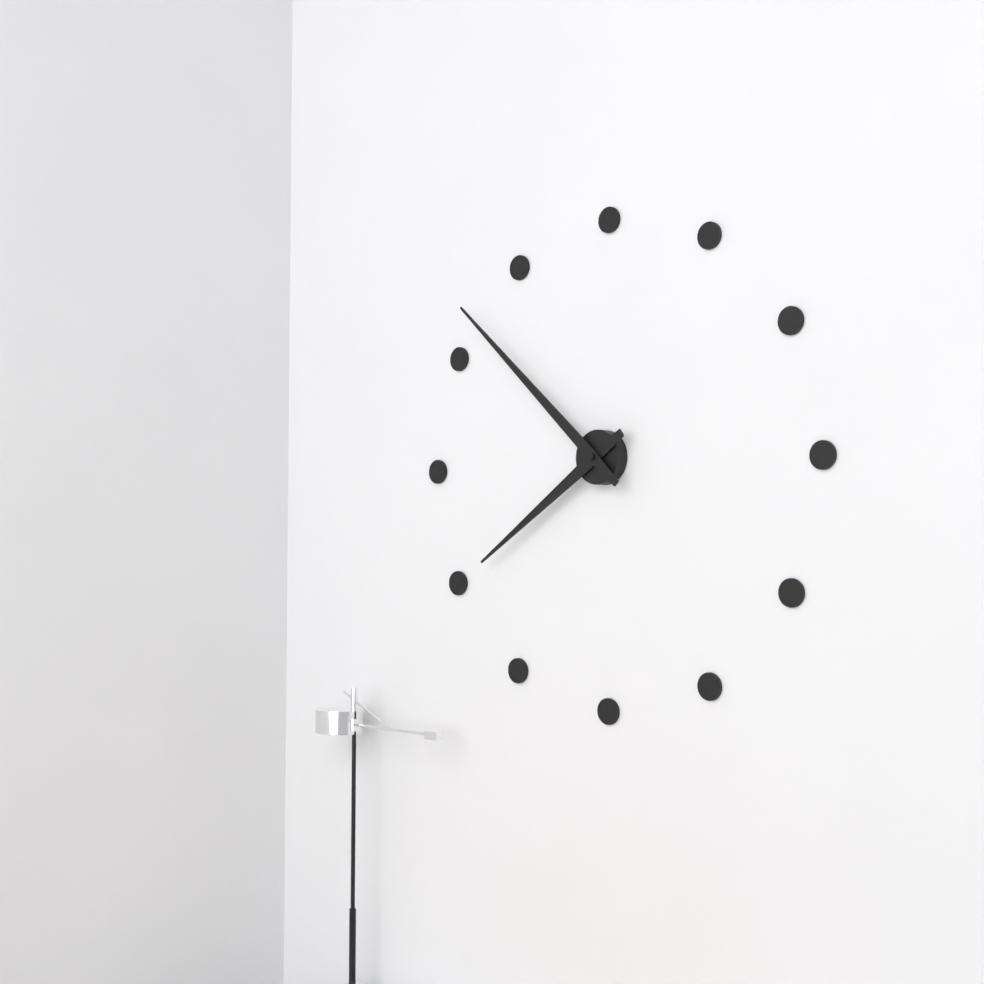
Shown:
7,52
